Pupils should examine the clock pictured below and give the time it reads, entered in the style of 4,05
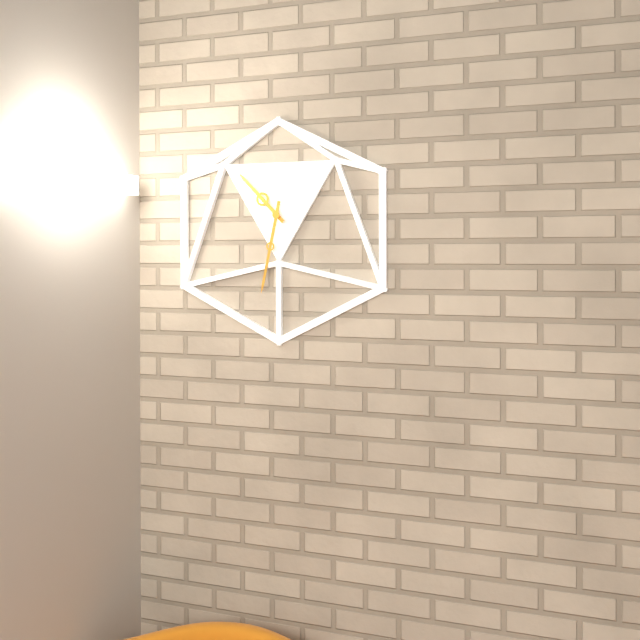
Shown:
10,32
